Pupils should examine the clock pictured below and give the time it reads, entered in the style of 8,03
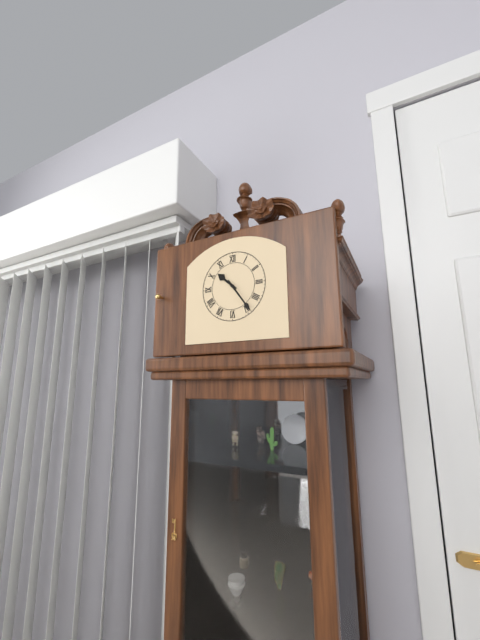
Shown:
10,24
